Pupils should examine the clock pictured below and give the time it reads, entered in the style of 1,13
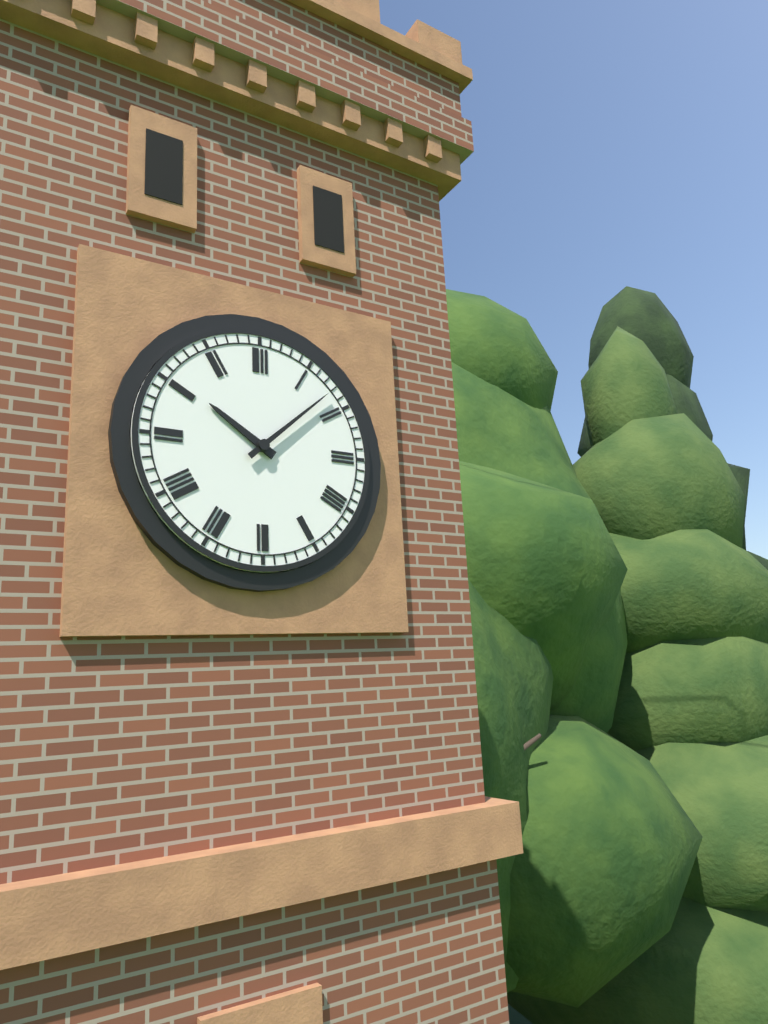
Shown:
10,08
